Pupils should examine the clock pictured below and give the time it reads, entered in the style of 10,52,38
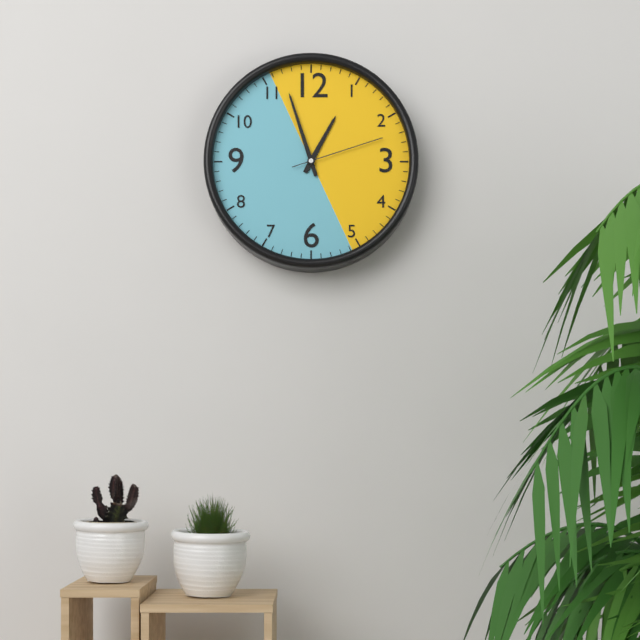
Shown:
12,57,12
